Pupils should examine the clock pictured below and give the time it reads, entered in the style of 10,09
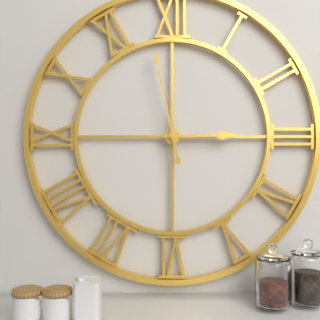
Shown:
2,58
